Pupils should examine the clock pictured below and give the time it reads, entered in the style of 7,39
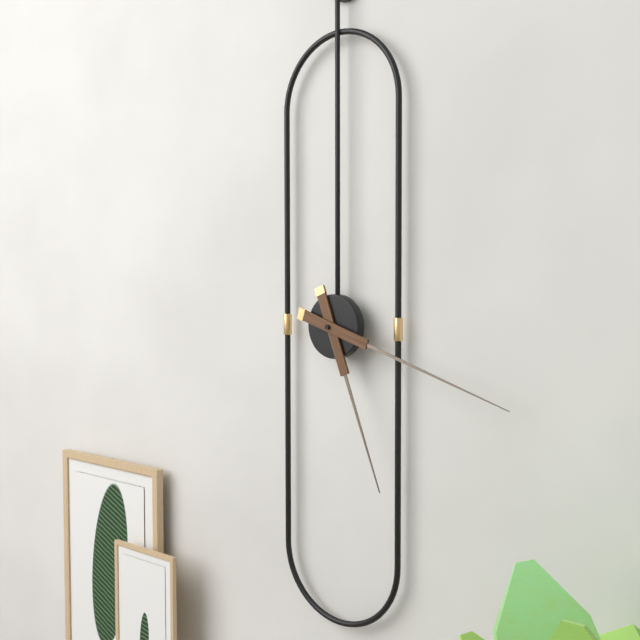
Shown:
5,18
